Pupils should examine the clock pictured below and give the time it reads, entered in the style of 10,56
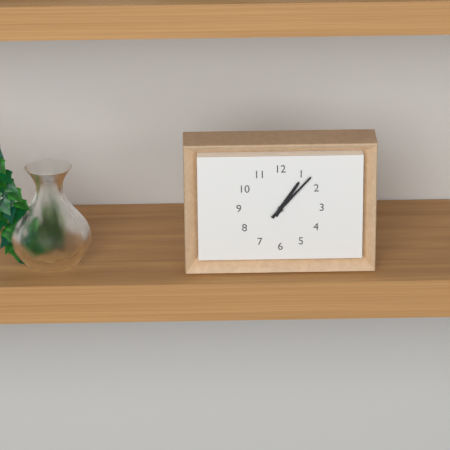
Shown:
1,07
